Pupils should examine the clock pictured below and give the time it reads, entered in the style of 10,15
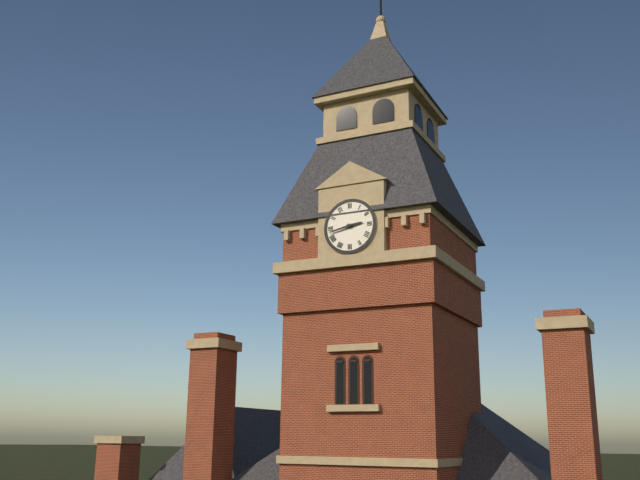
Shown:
2,43
